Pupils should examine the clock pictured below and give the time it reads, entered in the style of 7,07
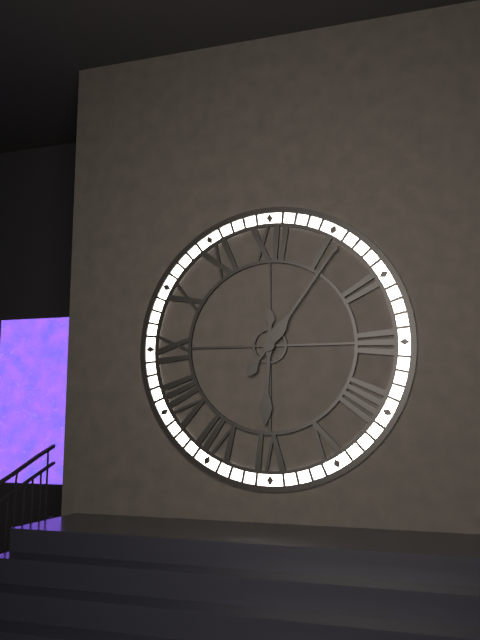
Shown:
6,06
